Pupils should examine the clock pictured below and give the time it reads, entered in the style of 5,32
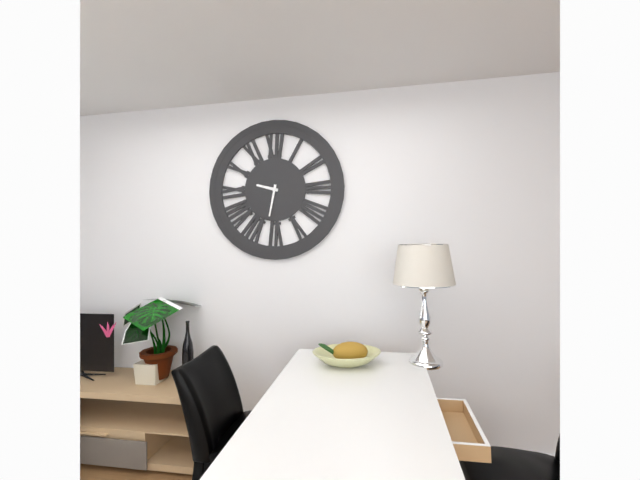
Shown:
9,32
